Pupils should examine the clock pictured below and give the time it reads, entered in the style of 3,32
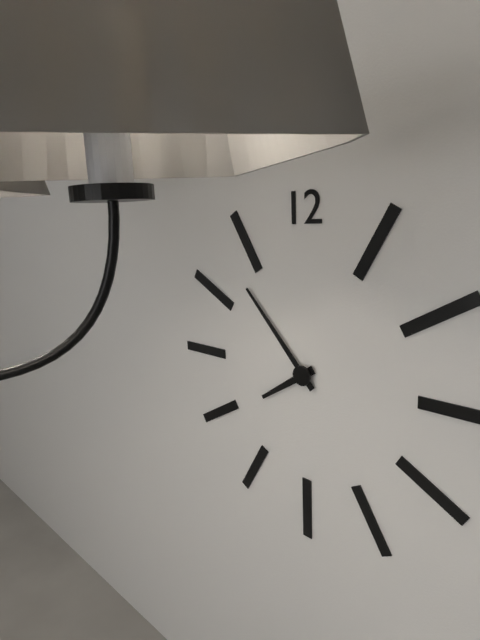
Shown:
7,53
